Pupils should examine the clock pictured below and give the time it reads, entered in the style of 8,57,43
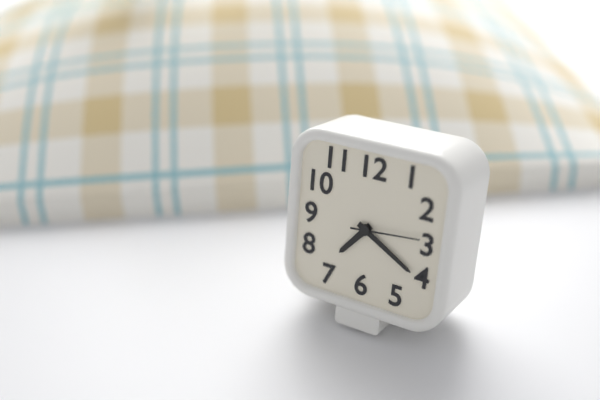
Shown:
7,20,14
